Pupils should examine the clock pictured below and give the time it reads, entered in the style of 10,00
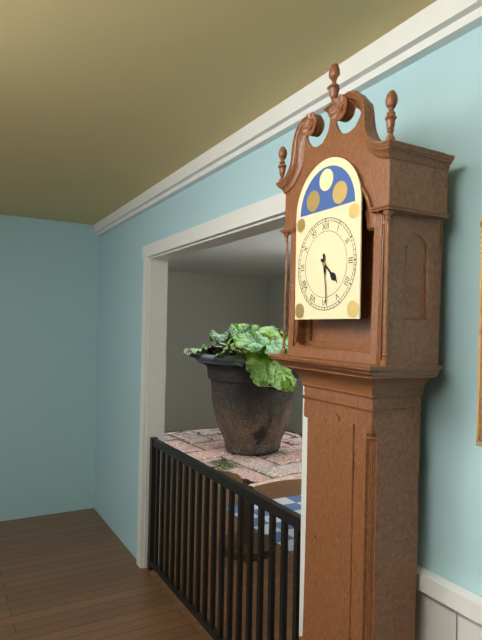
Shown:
4,29
